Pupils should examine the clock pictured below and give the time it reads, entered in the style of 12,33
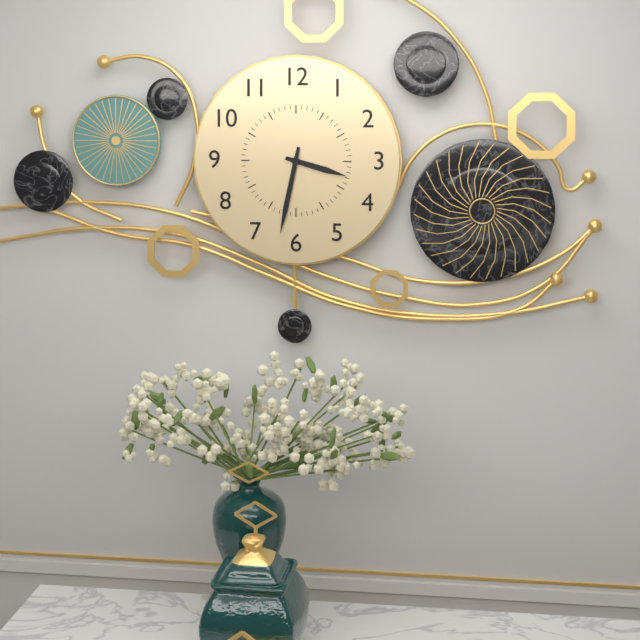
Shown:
3,32
